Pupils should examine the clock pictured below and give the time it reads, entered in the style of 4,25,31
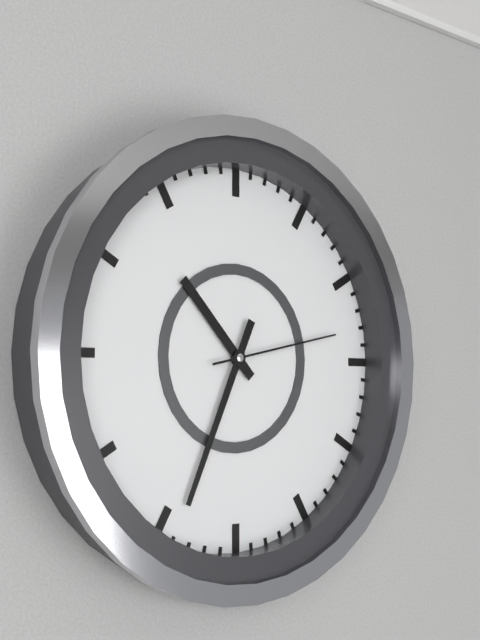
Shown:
10,34,13
